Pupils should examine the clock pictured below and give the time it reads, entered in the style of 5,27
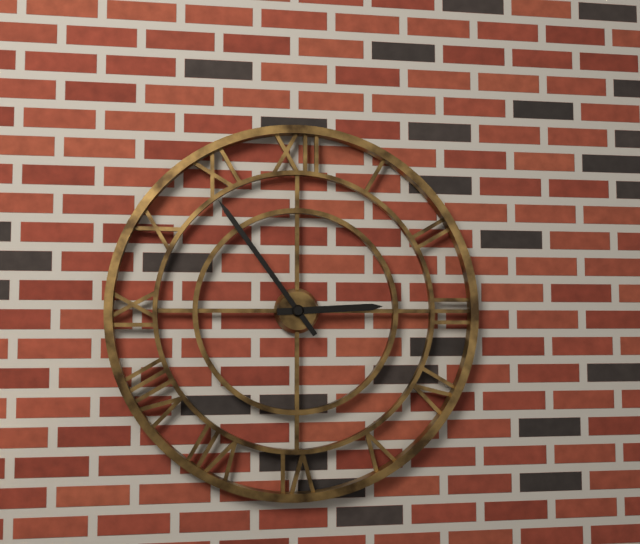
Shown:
2,54
